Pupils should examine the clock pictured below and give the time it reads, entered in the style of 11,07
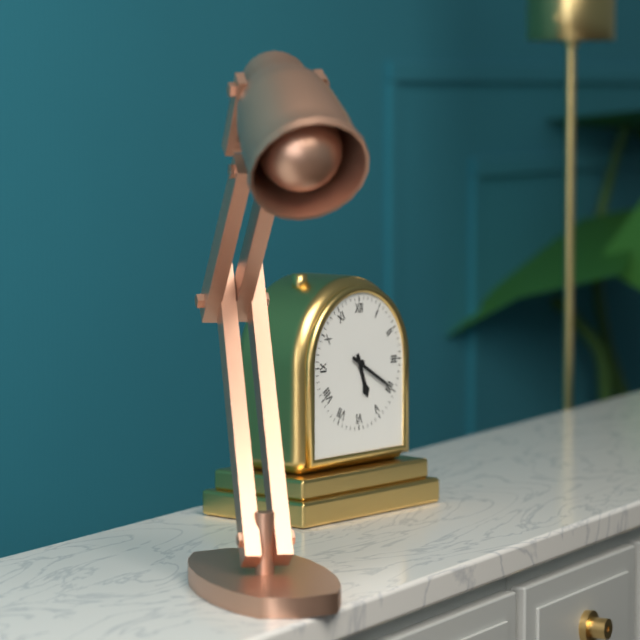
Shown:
5,20
